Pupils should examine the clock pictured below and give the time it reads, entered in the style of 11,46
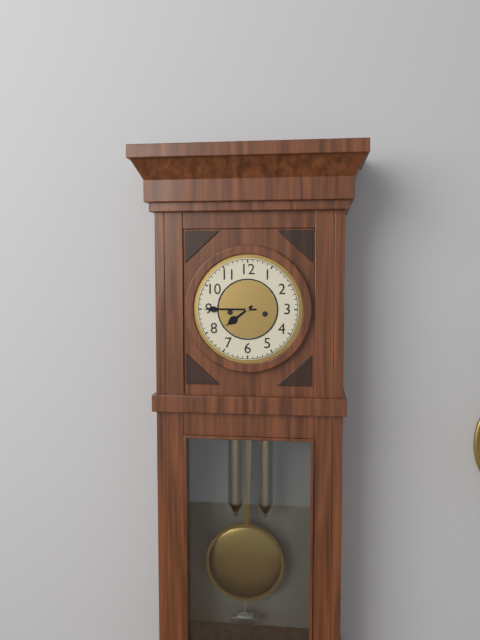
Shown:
7,45
